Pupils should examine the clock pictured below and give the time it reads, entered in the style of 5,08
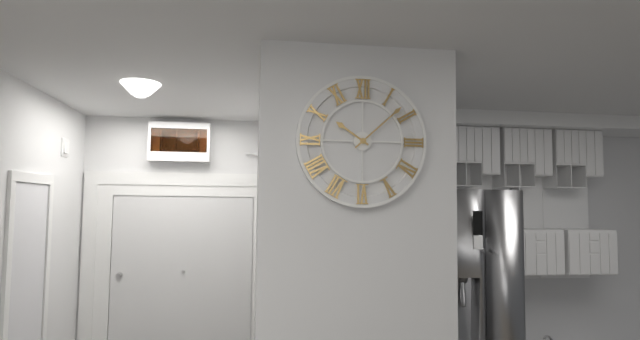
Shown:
10,08
